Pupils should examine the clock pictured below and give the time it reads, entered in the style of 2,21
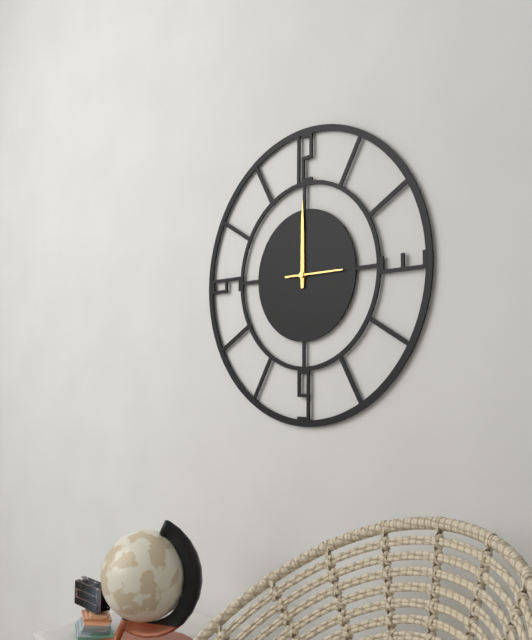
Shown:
12,00
